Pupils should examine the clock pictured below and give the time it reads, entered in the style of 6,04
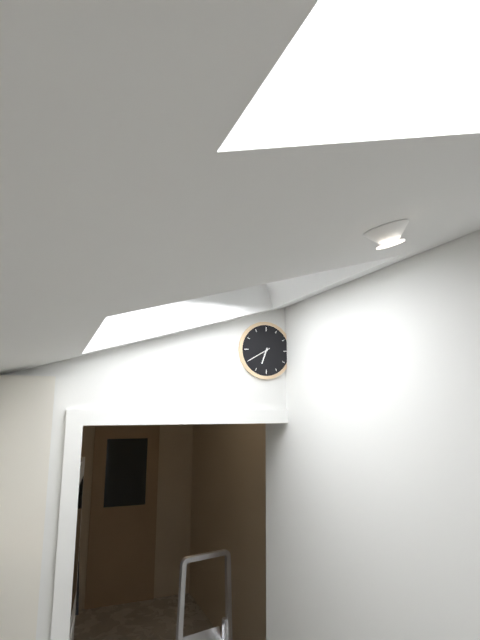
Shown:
6,40
